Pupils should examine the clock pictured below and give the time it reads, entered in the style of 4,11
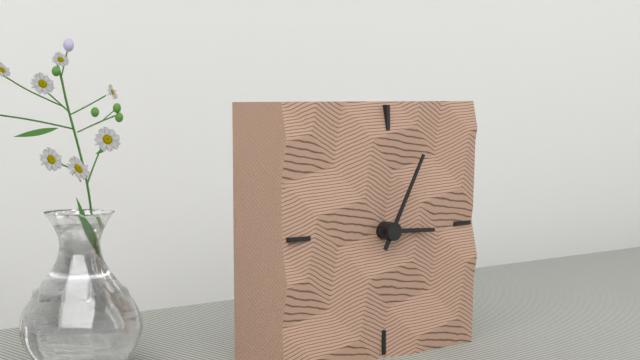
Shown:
3,05
